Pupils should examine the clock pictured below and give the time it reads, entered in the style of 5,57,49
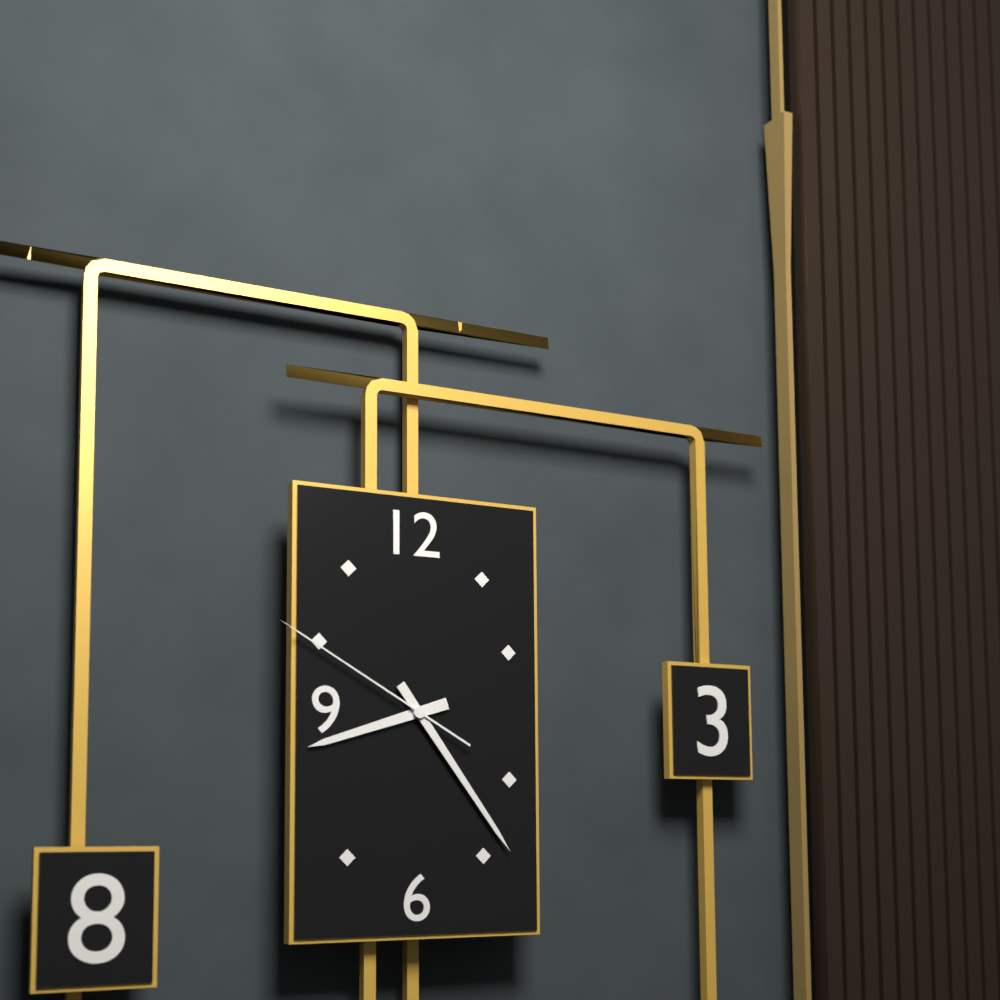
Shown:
8,24,50
